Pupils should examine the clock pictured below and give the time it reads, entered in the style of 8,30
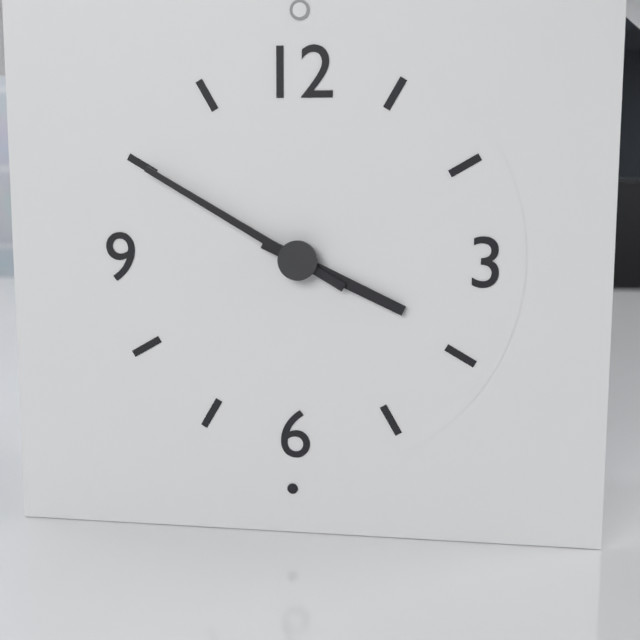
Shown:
3,50
